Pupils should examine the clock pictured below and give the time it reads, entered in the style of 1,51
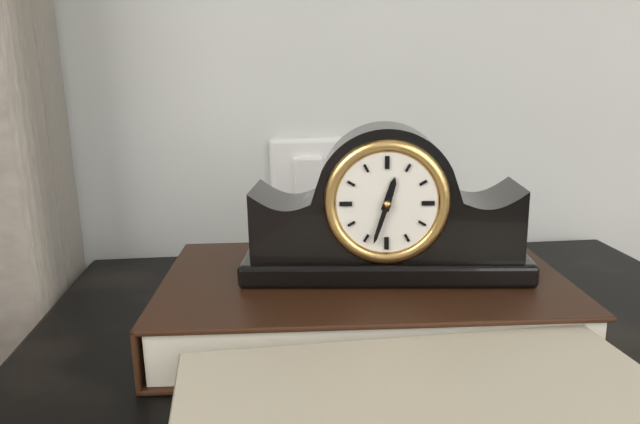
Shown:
12,33
